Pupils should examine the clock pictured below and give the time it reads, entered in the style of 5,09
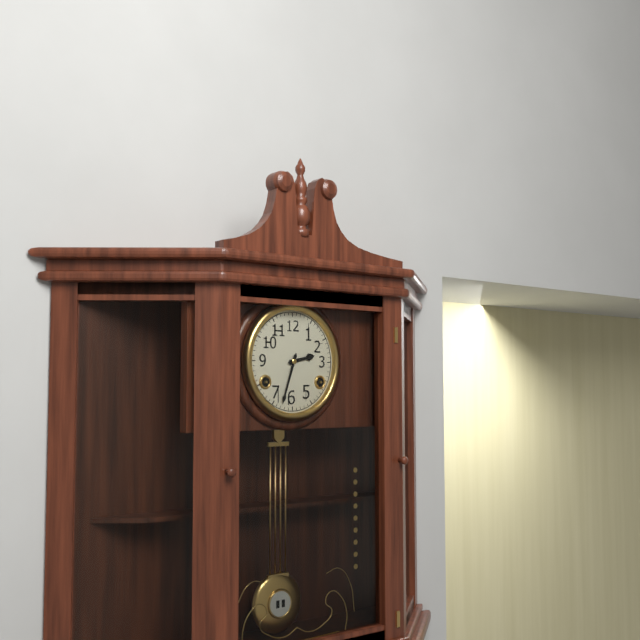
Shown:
2,33
